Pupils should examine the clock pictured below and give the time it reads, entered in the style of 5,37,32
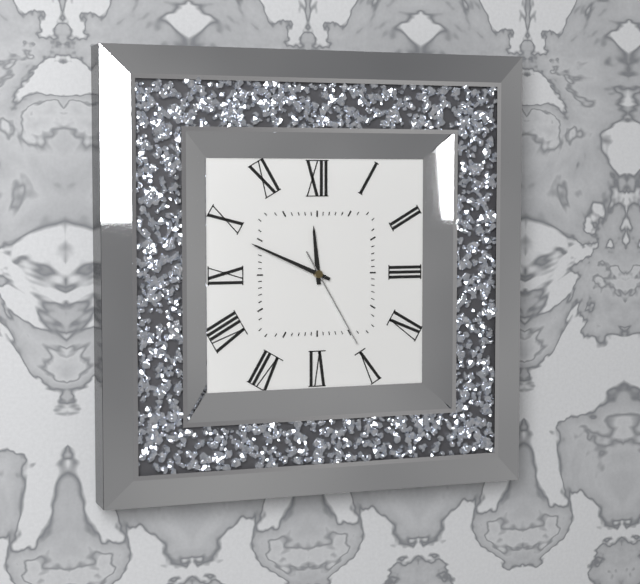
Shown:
11,49,25
